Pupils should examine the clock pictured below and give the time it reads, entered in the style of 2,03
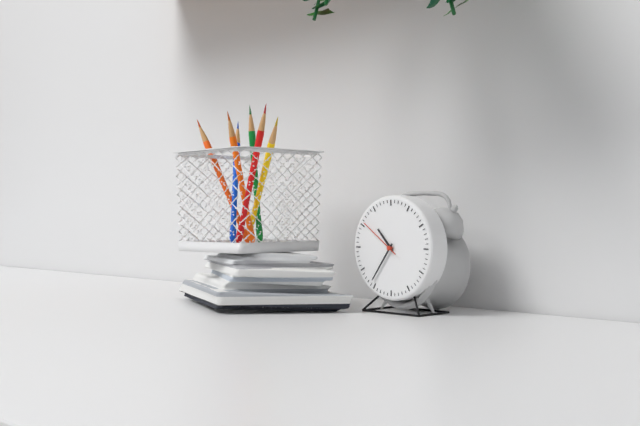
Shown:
10,36
